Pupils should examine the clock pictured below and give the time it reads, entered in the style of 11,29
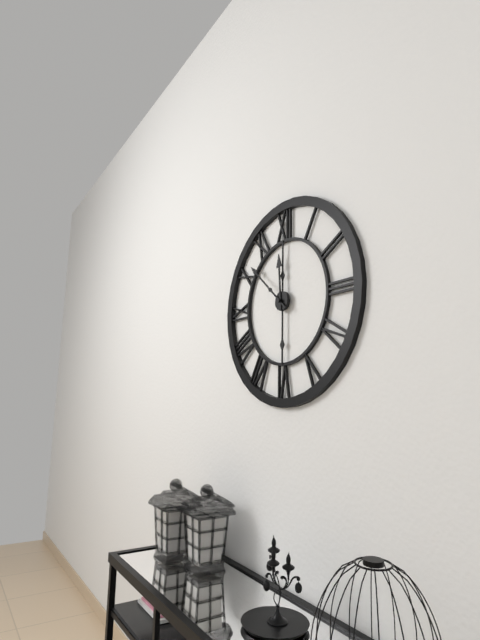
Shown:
11,52
